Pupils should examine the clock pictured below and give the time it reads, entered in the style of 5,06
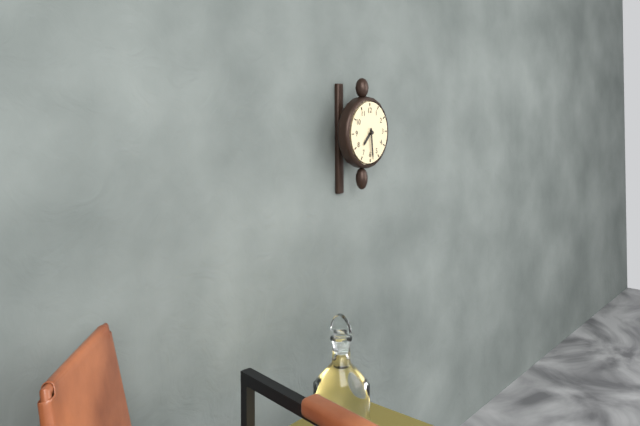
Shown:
7,29
